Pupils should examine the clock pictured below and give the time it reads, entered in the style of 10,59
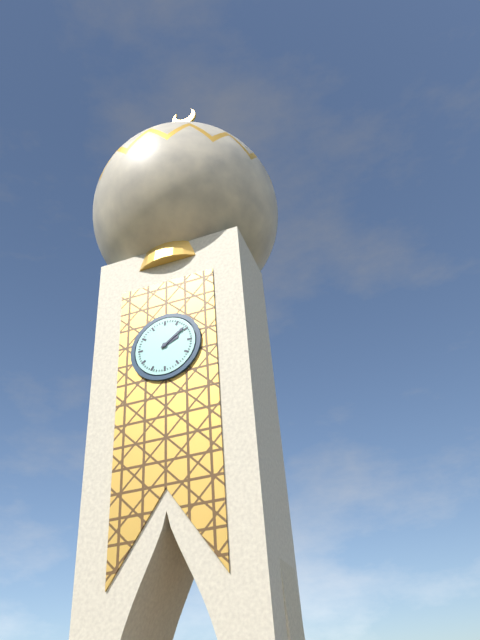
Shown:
2,09
